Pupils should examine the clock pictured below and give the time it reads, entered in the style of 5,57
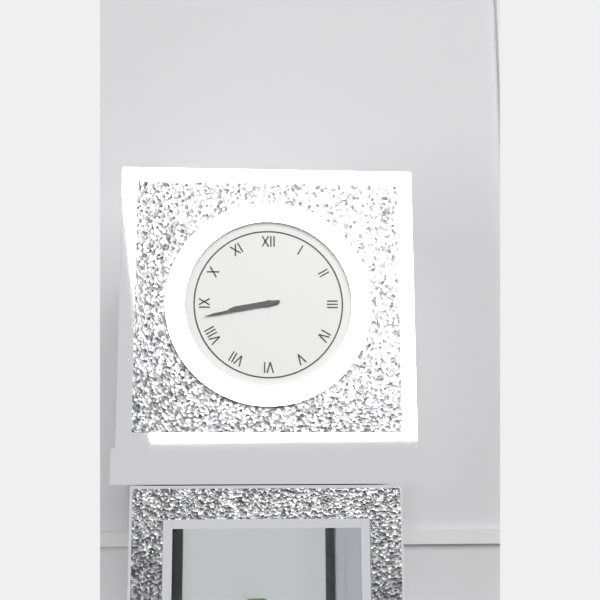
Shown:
8,43
